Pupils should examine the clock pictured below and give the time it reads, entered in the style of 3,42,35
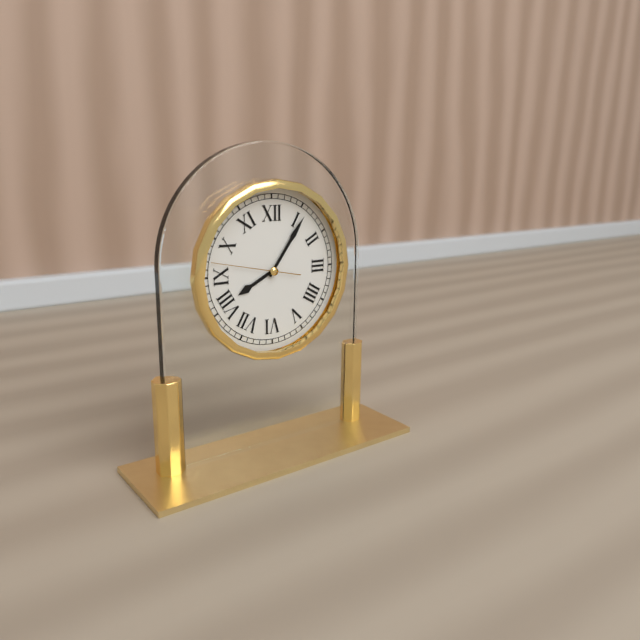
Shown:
8,06,47
